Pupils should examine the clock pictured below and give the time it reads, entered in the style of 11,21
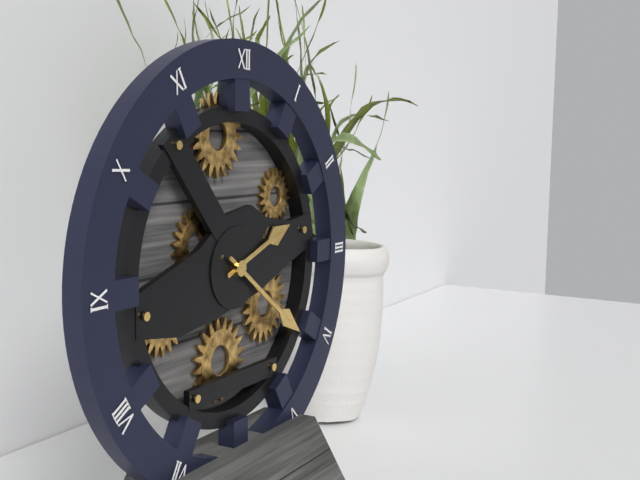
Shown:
2,21
